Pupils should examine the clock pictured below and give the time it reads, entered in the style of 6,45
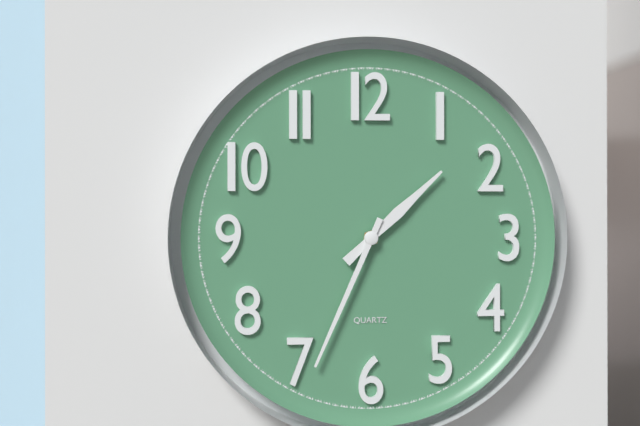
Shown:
1,34
